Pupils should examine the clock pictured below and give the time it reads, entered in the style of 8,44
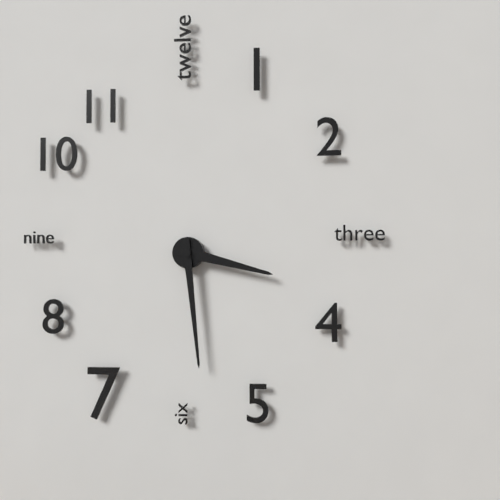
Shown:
3,29
